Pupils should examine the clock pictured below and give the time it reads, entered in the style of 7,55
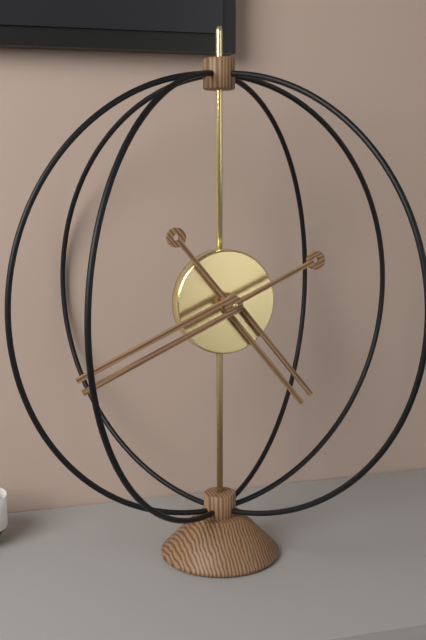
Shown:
4,41
